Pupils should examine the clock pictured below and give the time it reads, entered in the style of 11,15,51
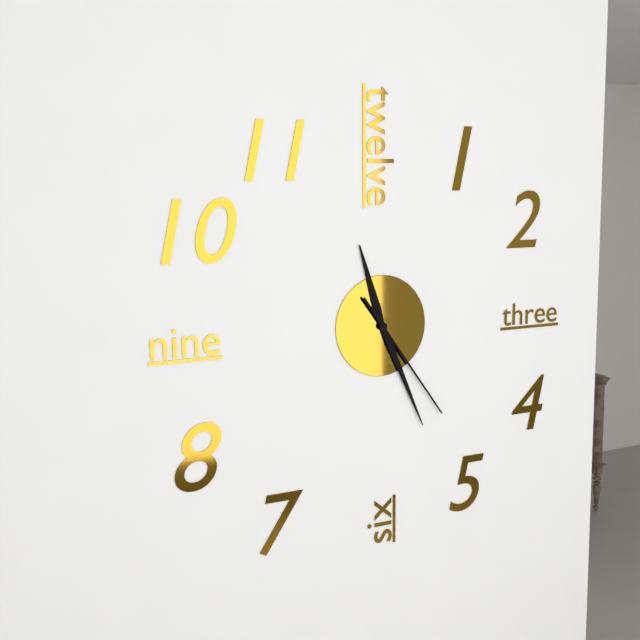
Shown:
11,26,24
